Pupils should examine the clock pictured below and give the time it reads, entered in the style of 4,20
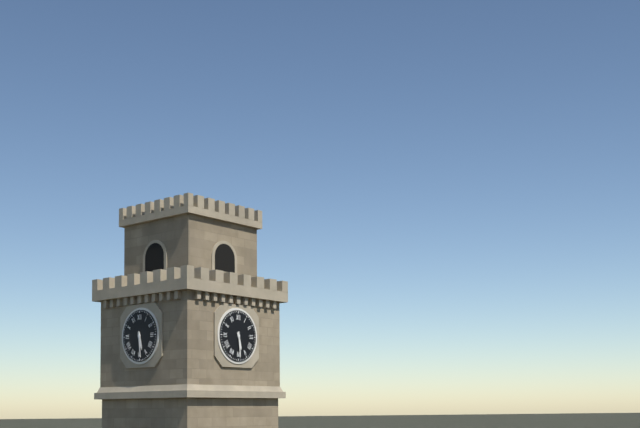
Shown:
5,29
